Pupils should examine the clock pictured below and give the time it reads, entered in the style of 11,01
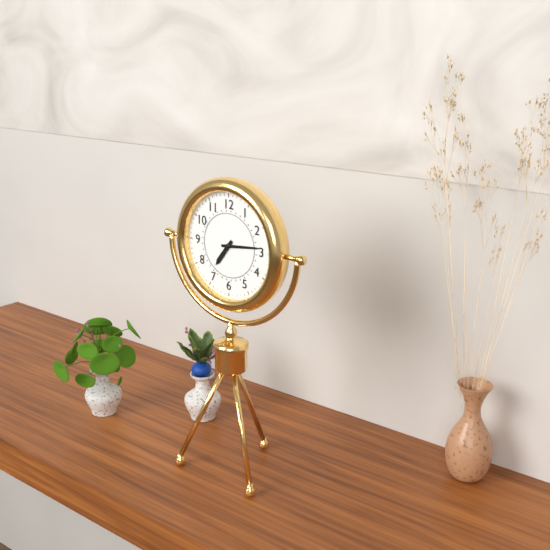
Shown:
7,14
